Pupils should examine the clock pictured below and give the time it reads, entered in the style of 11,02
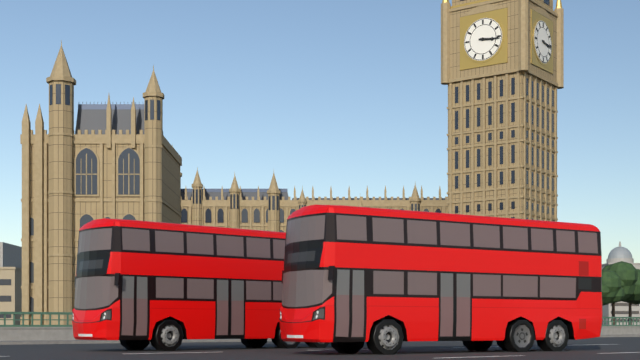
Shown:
3,16
